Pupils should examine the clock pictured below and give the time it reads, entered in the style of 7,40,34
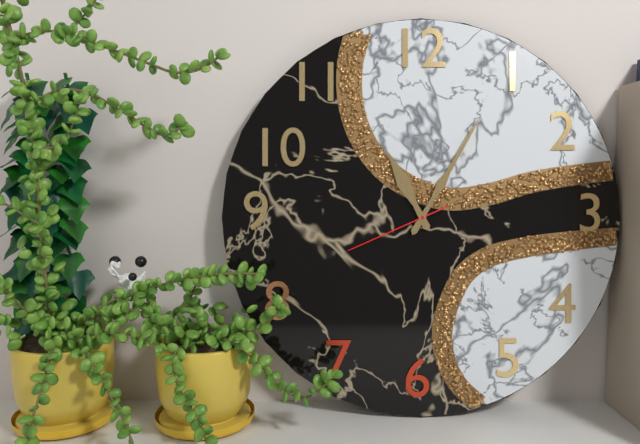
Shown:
11,05,41
